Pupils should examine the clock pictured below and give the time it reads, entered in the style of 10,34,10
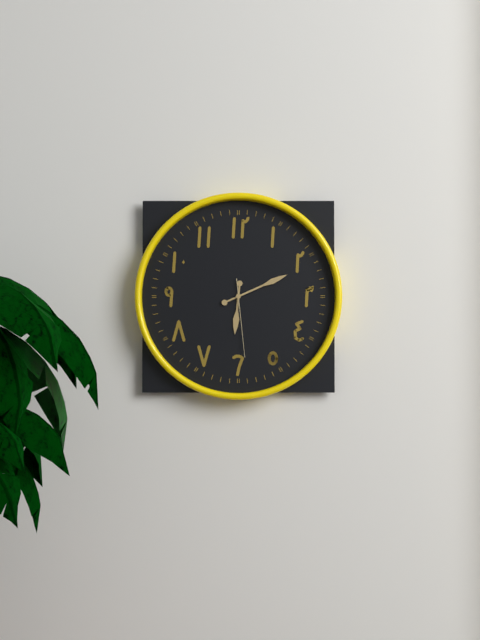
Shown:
6,11,29
